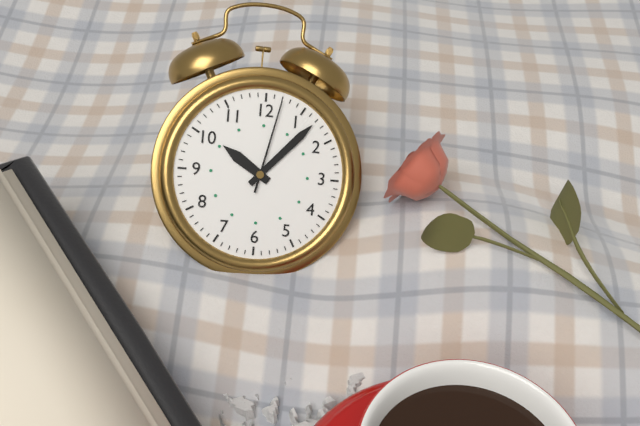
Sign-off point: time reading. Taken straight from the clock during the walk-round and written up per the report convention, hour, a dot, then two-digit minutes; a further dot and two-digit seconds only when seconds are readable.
10.07.02
